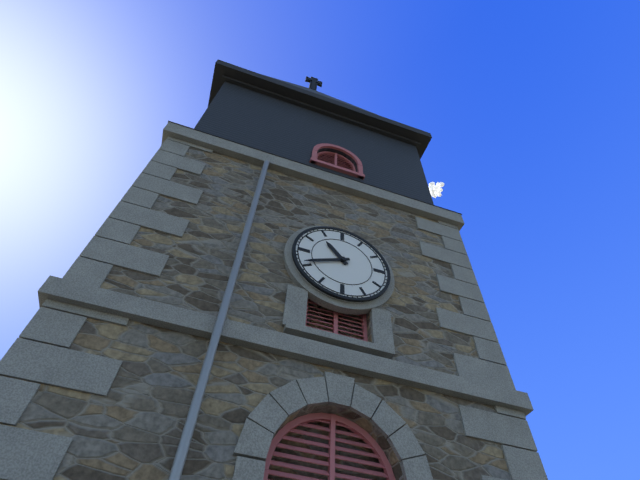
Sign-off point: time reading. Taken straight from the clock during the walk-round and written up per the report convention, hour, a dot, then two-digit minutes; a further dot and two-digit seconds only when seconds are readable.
10.41
